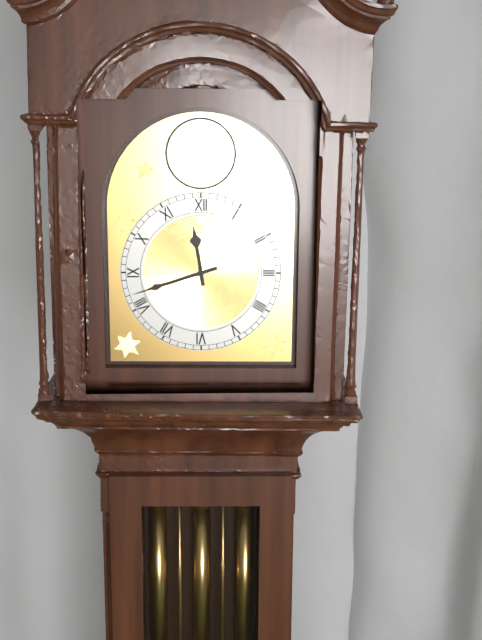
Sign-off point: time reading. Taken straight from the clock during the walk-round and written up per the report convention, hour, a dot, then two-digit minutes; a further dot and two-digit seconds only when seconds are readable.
11.42
